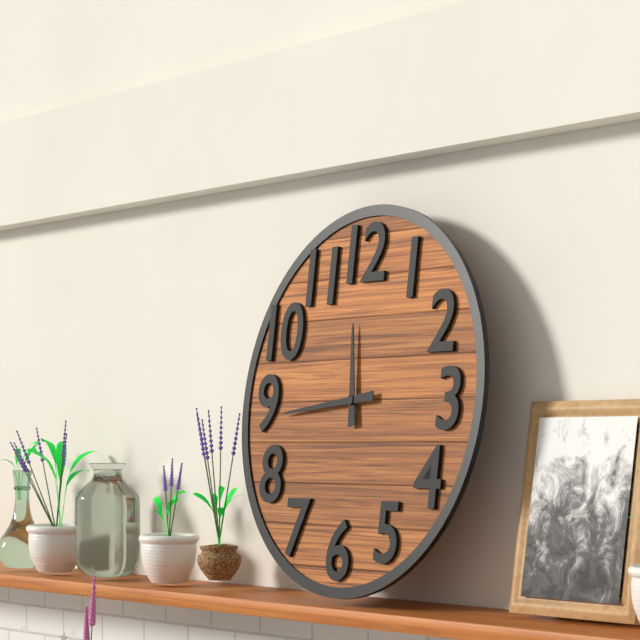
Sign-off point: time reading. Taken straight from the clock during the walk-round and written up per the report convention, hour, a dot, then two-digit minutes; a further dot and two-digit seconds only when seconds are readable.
11.44
